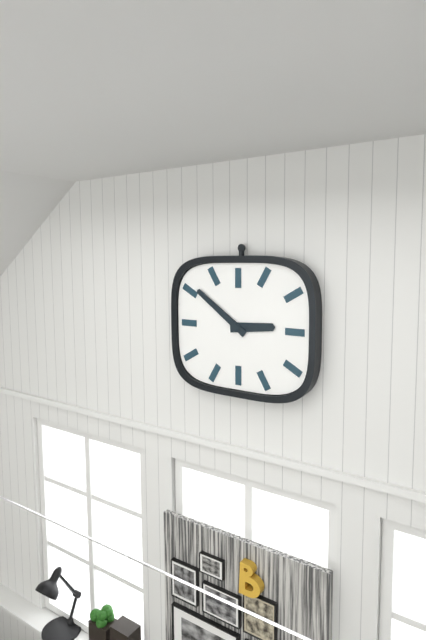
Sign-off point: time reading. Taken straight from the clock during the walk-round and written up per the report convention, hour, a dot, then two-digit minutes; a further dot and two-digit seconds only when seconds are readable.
2.51
